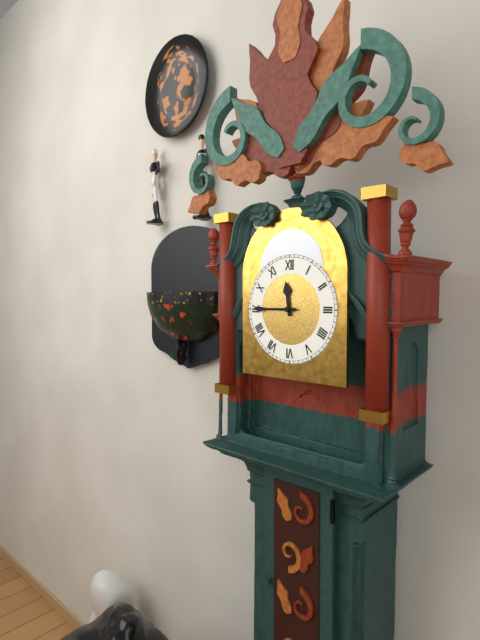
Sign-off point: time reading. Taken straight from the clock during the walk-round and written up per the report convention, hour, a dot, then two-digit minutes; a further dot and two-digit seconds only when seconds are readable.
11.45
